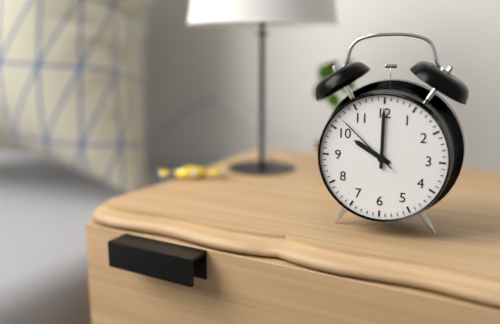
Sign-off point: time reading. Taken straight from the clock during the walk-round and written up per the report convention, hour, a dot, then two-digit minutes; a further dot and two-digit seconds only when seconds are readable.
10.00.52
